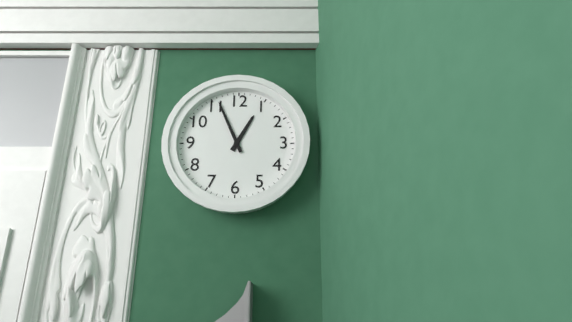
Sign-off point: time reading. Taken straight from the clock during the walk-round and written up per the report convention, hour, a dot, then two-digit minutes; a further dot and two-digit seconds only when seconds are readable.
12.56
